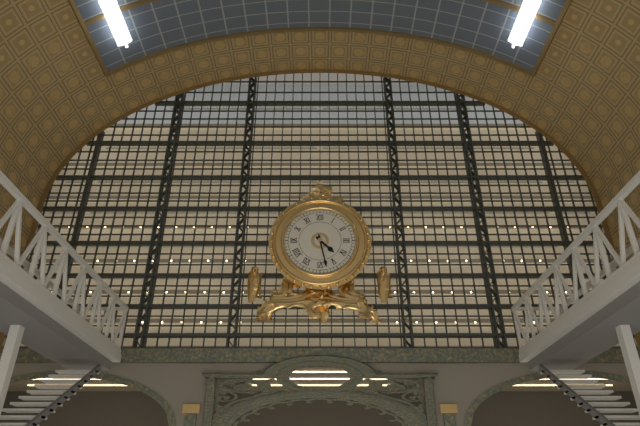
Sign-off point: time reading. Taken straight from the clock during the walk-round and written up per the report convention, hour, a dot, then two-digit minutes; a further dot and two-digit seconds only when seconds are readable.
4.28
